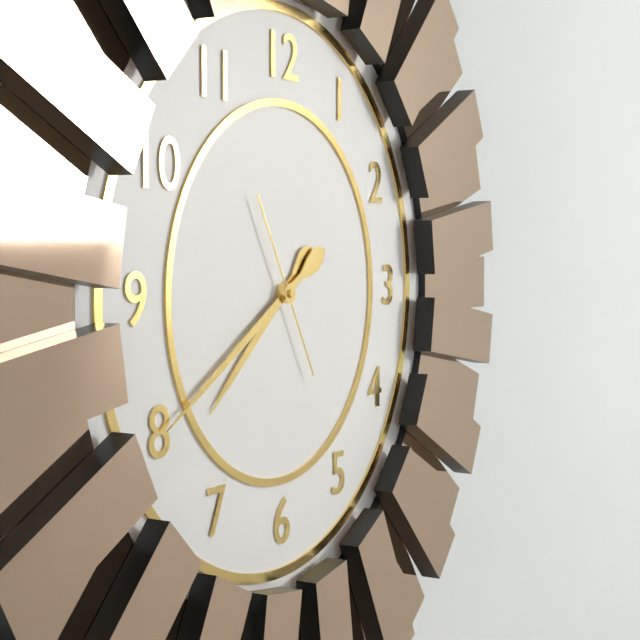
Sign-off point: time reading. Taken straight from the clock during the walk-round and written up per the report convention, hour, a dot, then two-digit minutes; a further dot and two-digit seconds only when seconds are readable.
7.40.55
